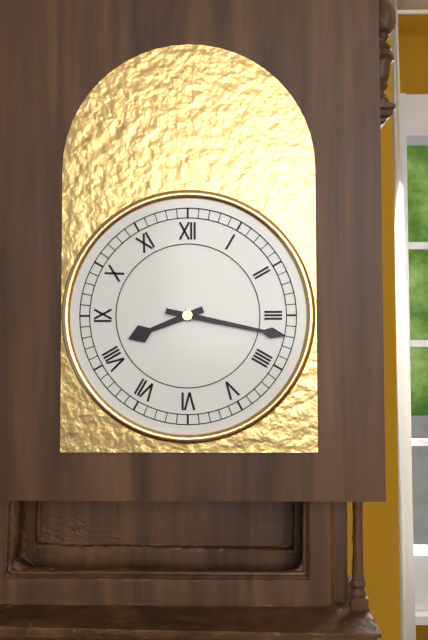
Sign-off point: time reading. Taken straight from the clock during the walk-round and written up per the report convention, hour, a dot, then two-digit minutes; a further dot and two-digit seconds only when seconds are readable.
8.17
